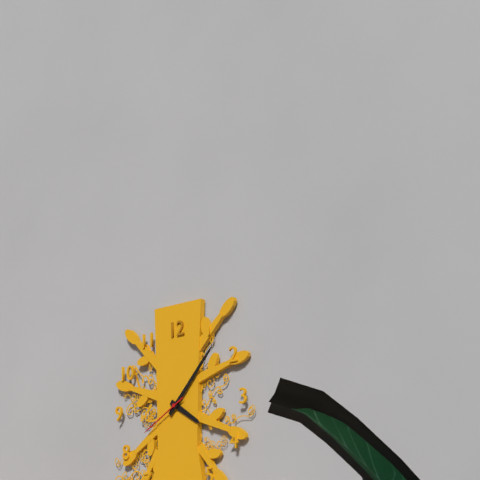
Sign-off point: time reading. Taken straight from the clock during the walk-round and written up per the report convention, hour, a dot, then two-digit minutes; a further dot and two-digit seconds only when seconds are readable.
4.07.40
